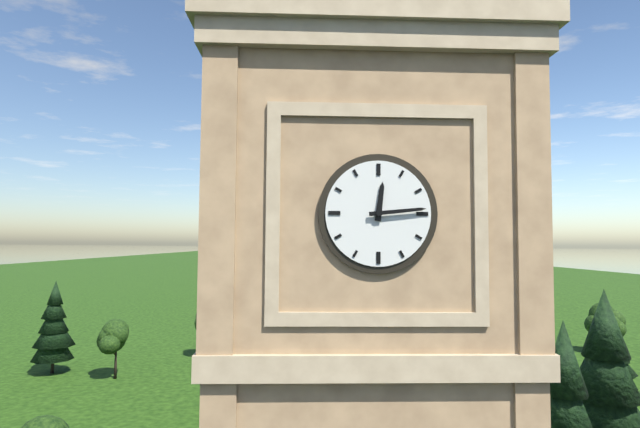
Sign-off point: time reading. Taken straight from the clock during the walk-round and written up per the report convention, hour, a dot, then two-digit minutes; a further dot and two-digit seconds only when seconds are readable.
12.14
